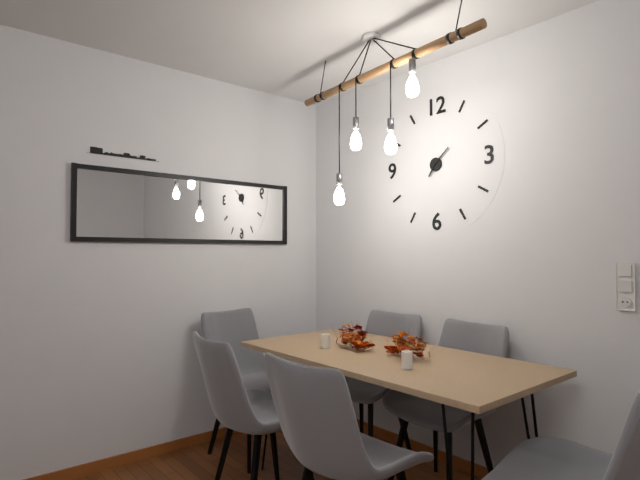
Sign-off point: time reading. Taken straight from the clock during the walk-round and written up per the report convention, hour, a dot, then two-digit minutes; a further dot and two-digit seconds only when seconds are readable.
7.08
